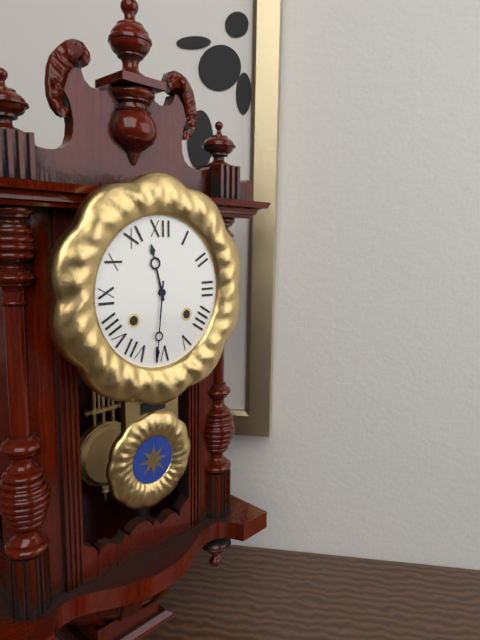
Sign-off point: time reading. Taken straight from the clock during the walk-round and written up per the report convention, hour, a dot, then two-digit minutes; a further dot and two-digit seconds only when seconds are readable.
11.31
